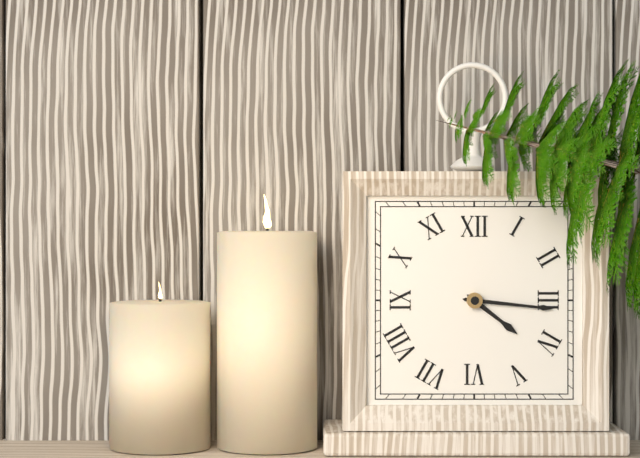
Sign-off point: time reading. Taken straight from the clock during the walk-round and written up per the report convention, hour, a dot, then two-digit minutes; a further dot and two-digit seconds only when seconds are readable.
4.16
